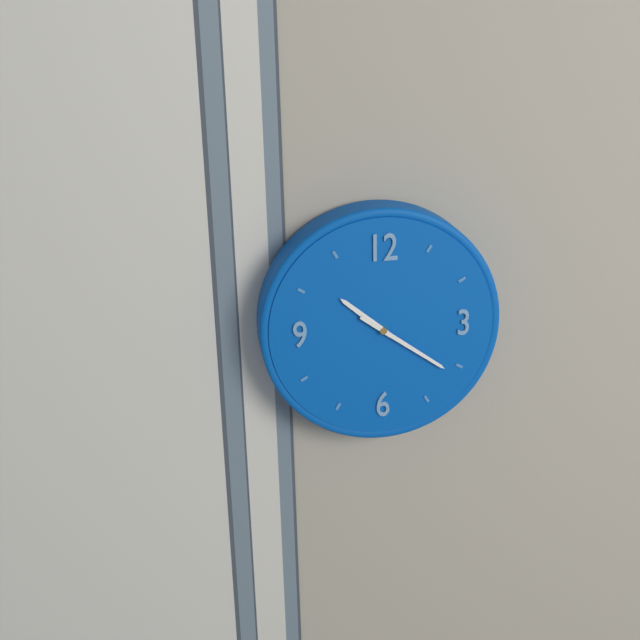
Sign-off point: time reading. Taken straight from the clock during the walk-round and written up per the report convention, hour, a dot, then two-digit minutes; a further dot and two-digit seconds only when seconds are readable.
10.21
